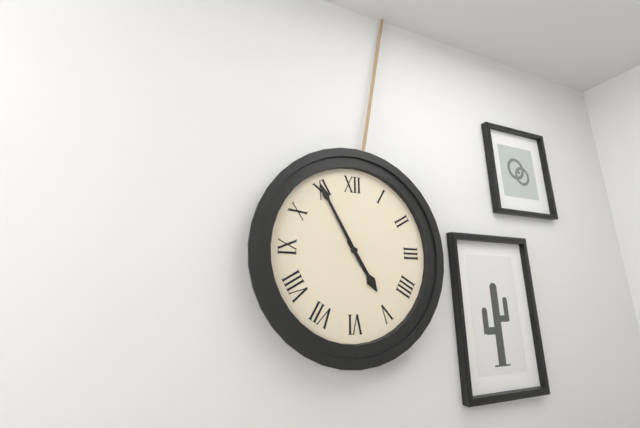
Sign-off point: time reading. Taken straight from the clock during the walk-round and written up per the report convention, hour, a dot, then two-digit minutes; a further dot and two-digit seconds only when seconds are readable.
4.55
